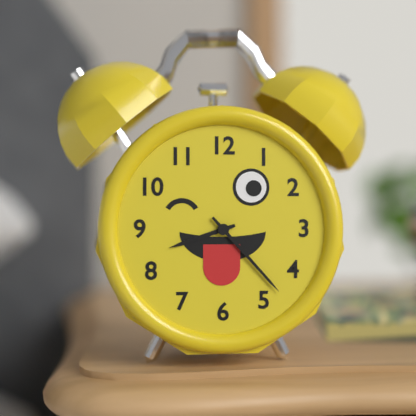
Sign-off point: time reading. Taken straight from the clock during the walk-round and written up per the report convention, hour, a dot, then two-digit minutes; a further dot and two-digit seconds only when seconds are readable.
8.23
